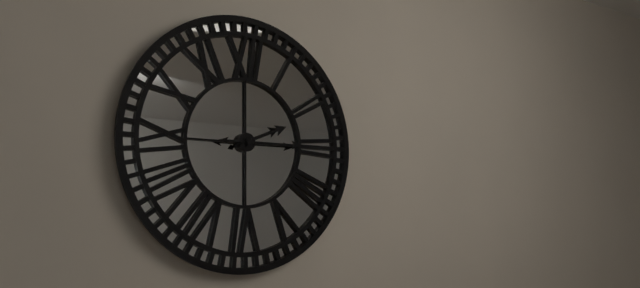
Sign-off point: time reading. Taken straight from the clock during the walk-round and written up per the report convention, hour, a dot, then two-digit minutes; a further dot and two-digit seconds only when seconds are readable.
2.15
